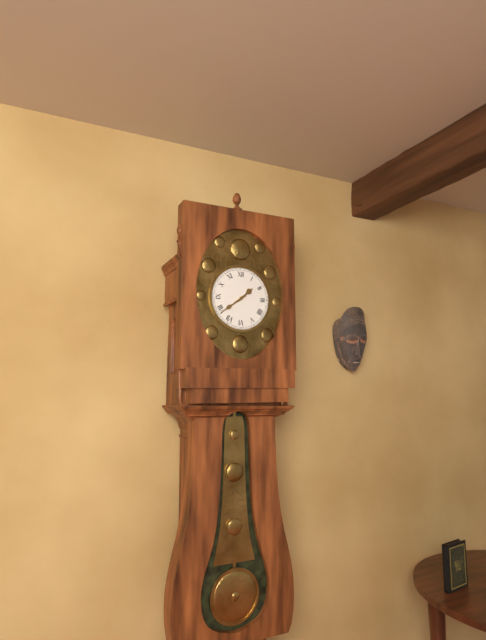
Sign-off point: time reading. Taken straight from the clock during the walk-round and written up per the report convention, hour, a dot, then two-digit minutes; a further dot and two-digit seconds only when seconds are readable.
1.39
